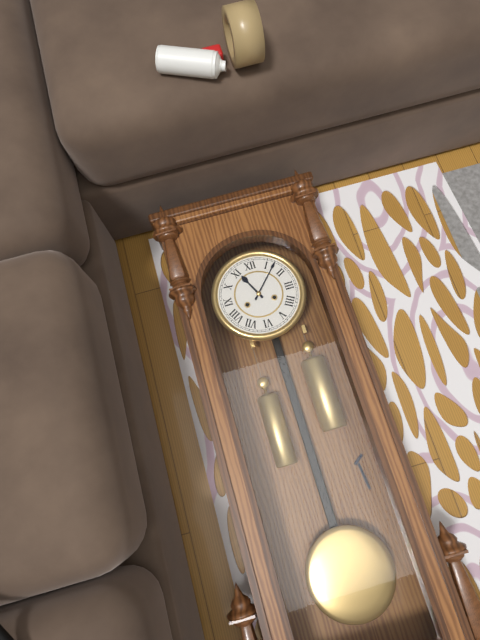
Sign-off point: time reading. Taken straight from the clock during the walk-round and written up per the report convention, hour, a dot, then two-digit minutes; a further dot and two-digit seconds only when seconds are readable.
11.07
